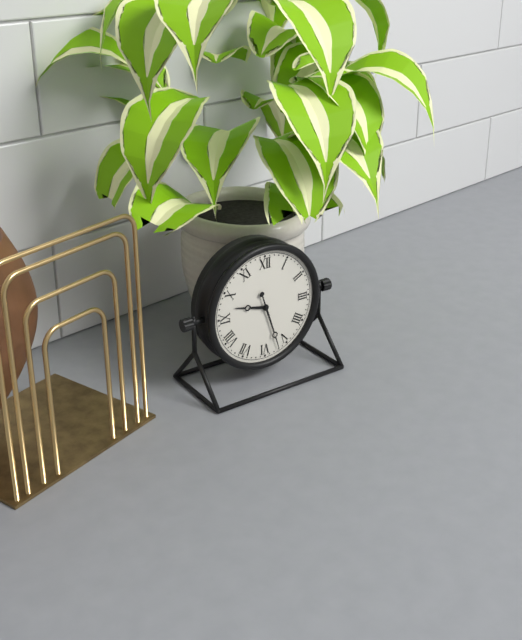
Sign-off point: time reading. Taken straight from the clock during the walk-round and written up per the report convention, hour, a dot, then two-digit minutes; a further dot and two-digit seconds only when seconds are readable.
9.27
